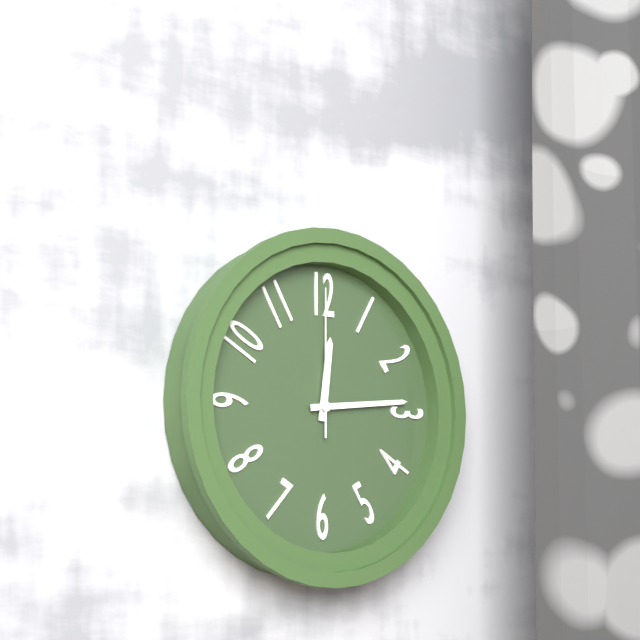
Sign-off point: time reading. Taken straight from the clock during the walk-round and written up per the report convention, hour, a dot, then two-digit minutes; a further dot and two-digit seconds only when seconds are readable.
12.14.00
